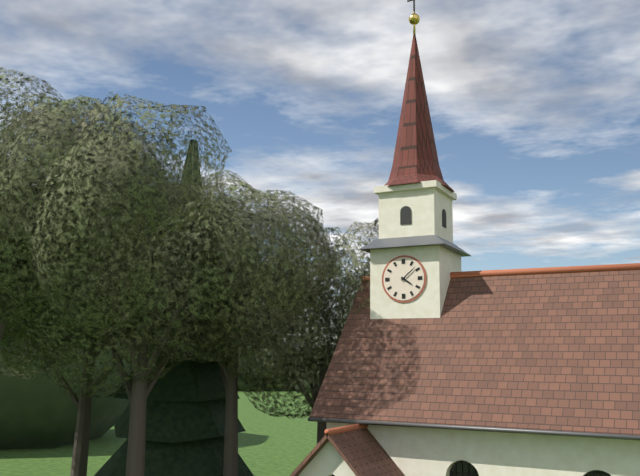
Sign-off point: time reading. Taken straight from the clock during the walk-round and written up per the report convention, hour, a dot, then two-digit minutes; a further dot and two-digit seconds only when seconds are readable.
4.08
